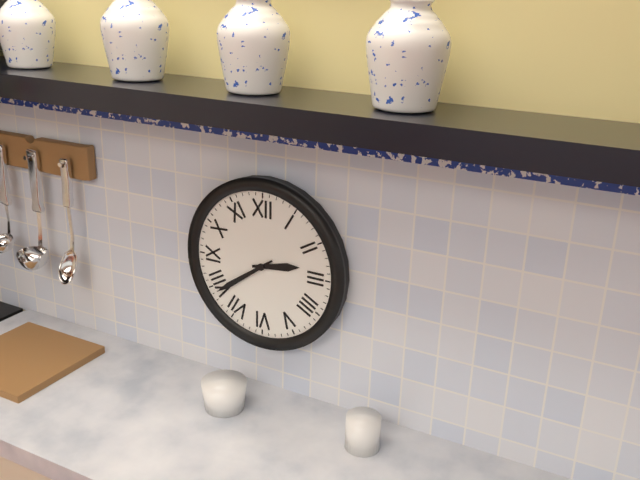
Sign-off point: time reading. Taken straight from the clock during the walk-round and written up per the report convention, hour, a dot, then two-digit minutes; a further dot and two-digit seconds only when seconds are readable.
2.39
